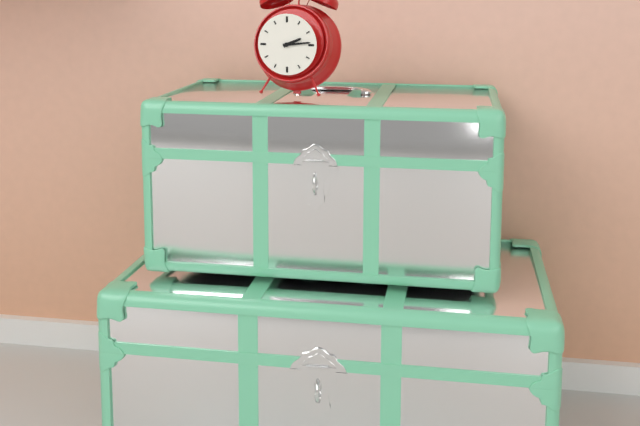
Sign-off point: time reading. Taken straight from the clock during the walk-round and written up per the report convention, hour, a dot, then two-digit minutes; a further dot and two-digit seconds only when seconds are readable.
2.14
